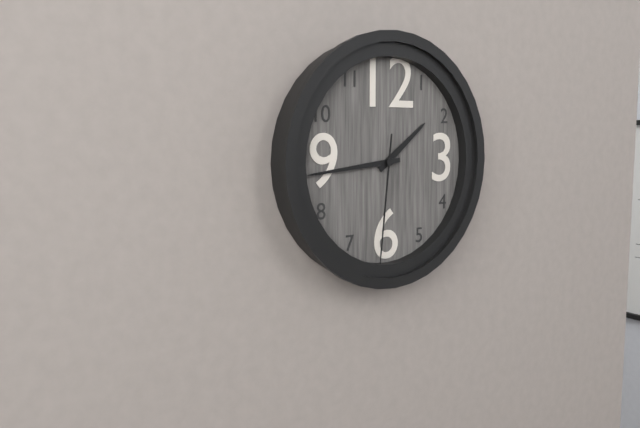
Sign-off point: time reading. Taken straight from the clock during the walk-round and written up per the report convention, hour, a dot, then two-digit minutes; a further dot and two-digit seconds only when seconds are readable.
1.44.31
